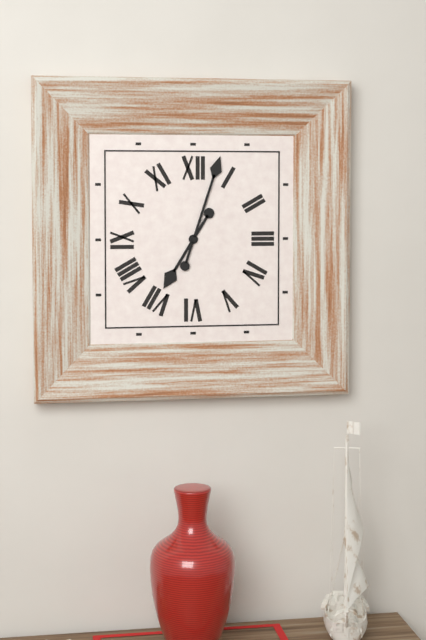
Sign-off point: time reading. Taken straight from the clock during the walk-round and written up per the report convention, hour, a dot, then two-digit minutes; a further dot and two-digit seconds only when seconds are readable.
7.03
